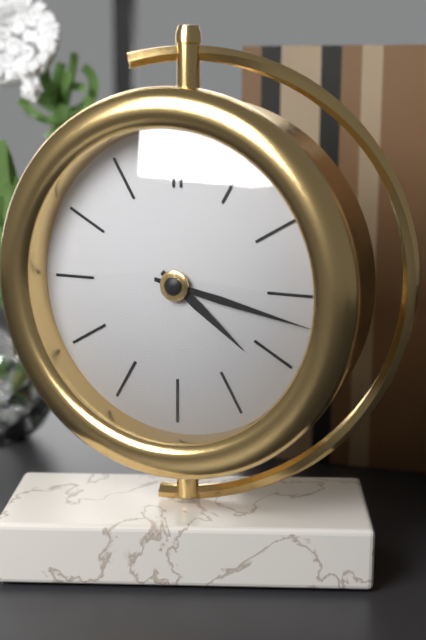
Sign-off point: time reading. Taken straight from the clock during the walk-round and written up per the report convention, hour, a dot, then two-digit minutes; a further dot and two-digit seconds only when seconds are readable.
4.17
